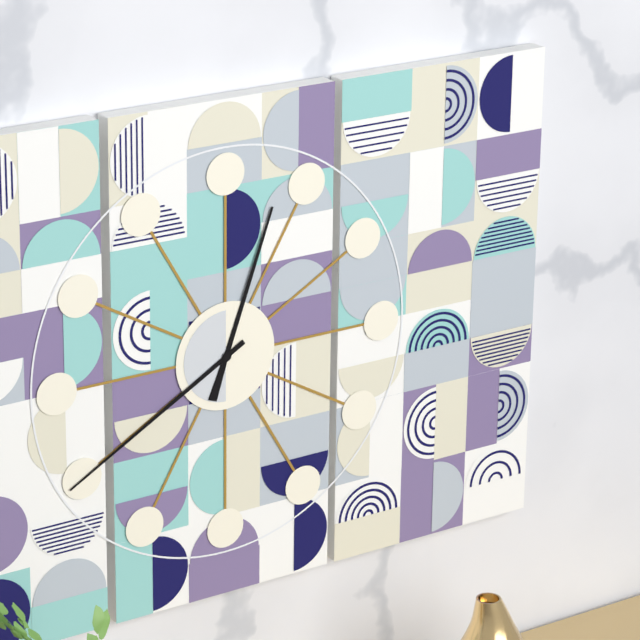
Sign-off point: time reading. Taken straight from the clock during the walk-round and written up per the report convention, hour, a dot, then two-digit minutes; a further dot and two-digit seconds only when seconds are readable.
12.40
